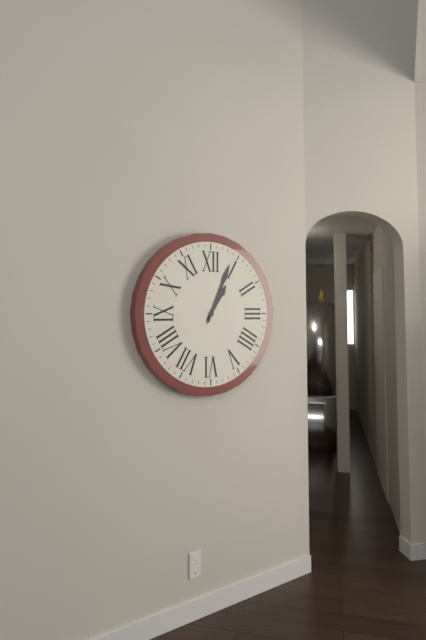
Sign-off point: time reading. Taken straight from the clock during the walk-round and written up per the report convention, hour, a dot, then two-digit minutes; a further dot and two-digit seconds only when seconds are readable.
1.04
